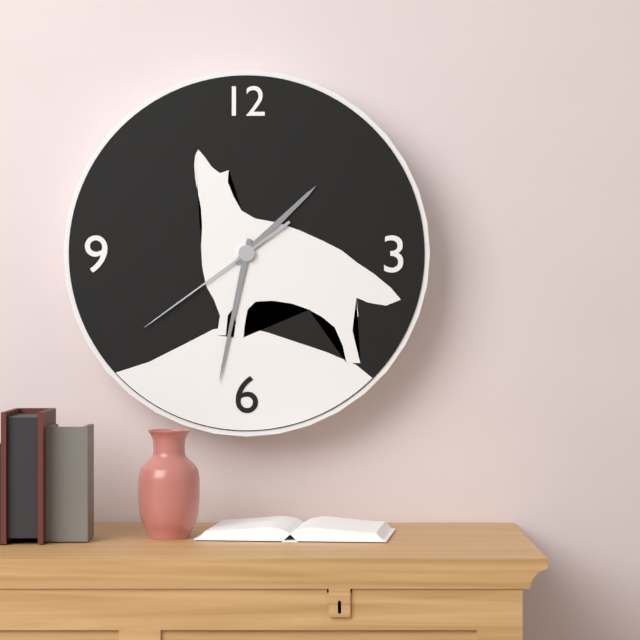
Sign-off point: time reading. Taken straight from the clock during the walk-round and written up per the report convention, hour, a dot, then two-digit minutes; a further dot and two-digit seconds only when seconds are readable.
1.32.39
